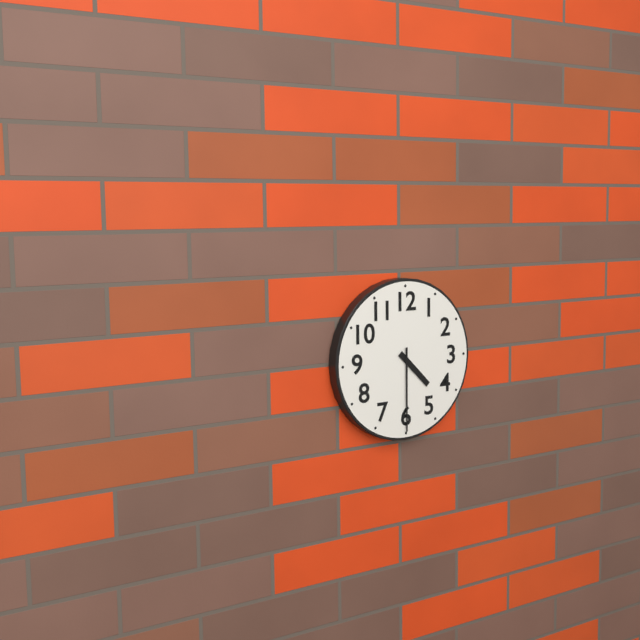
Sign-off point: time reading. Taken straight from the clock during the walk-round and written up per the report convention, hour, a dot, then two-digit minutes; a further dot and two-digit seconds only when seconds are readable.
4.30
